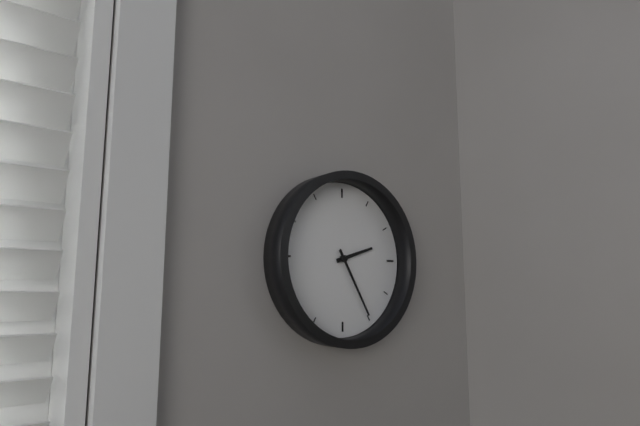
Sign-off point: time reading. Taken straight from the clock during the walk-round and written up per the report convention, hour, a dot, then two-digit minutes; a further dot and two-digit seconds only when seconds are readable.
2.25
